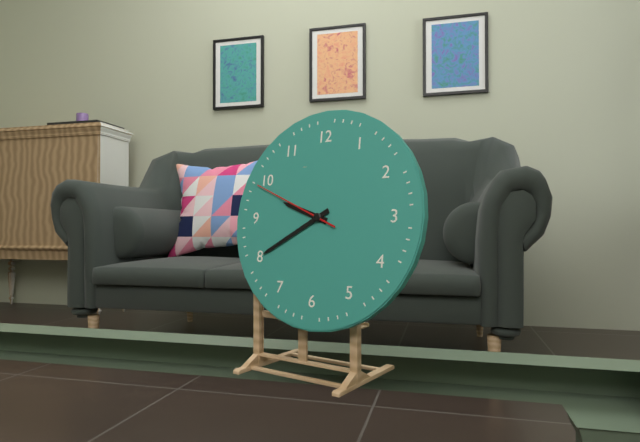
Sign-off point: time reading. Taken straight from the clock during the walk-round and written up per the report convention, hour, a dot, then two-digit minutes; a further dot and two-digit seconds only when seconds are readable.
9.40.49
